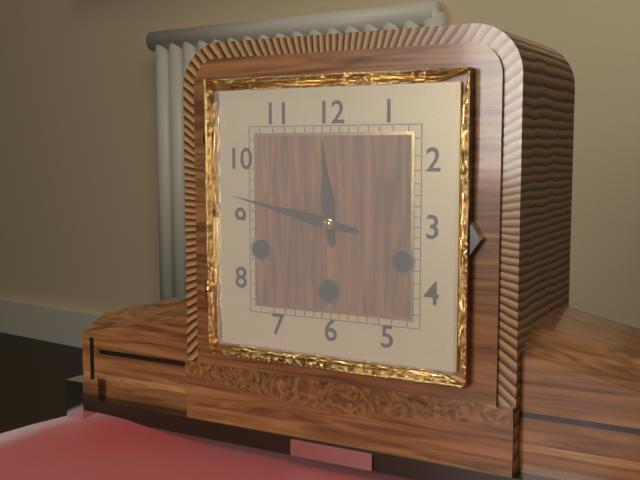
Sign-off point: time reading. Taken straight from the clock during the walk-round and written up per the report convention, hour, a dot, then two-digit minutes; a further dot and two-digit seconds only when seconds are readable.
11.47
